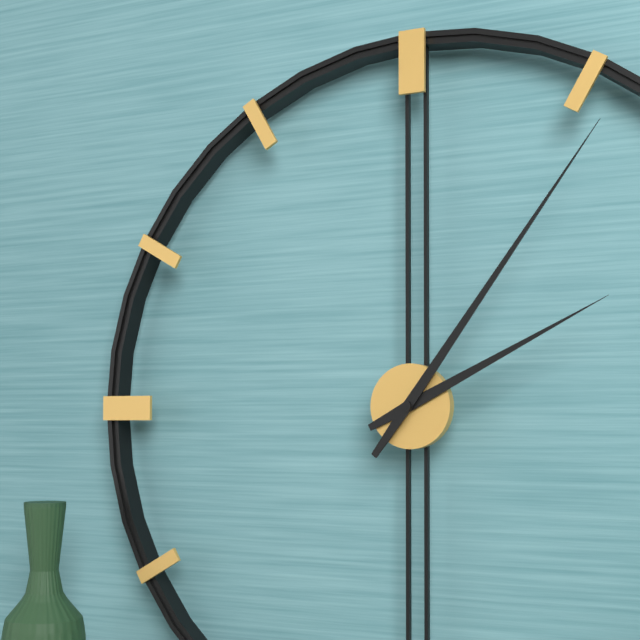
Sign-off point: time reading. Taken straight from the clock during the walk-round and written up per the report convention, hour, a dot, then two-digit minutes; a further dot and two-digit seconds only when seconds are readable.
2.06
